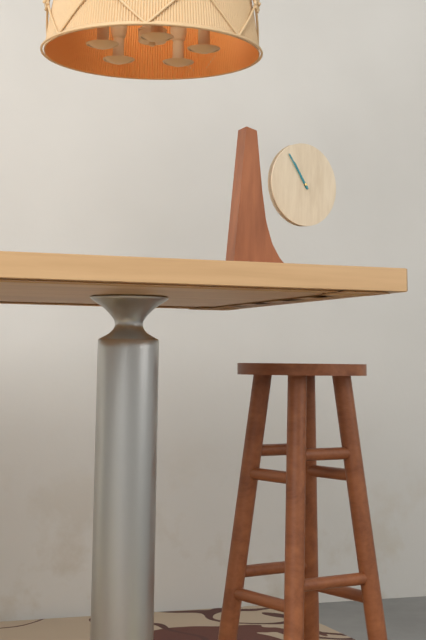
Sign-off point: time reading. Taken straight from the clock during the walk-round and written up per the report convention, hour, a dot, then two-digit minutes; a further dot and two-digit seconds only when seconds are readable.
10.54
